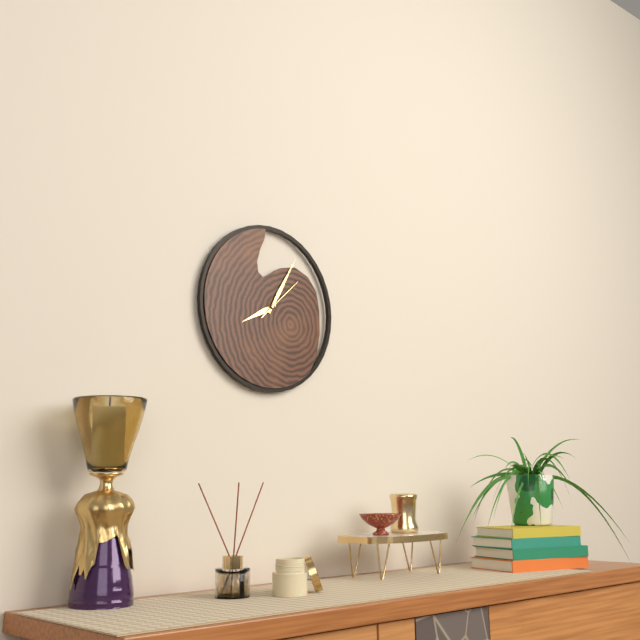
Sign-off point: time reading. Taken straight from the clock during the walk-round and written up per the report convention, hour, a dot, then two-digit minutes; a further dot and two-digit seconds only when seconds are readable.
8.05.08
